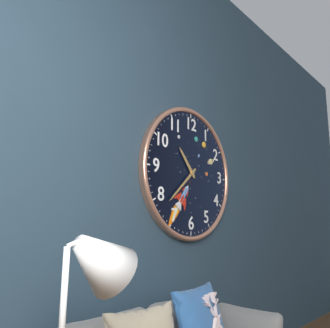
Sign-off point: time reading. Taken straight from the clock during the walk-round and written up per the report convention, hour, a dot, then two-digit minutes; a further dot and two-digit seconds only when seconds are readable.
10.38
